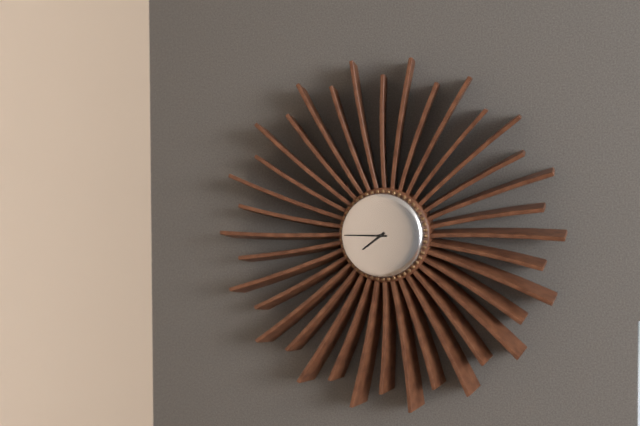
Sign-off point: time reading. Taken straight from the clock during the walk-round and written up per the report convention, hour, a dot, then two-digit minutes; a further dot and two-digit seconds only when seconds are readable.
7.45
